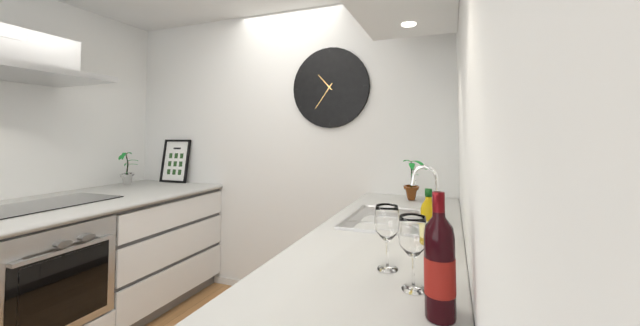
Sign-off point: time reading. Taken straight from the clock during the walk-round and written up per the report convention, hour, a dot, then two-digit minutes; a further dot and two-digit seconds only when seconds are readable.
10.36
